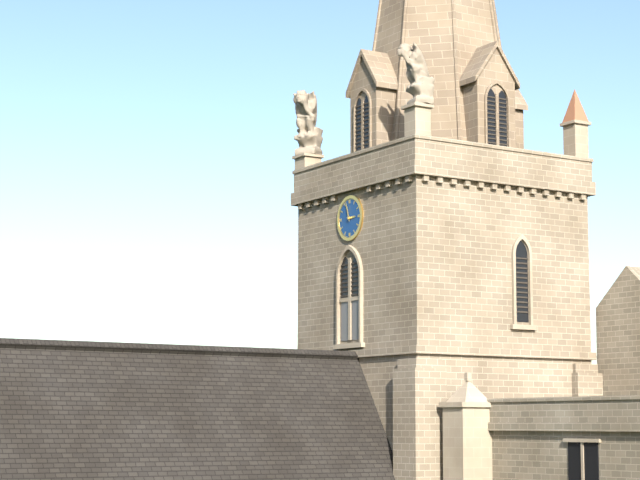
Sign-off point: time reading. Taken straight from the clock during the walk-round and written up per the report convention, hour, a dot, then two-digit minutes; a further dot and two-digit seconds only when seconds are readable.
2.57
